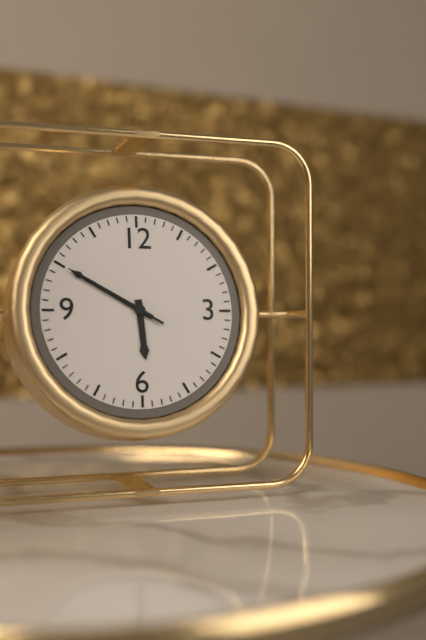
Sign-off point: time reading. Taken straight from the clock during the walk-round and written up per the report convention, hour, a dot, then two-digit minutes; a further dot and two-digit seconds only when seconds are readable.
5.50.50
